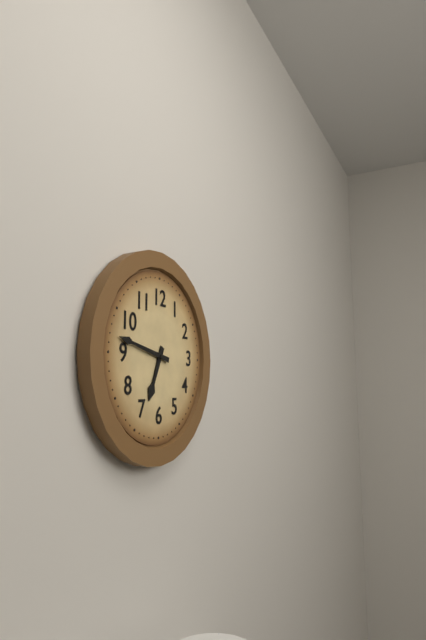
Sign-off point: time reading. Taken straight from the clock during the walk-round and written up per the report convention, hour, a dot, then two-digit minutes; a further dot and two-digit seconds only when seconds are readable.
6.47
